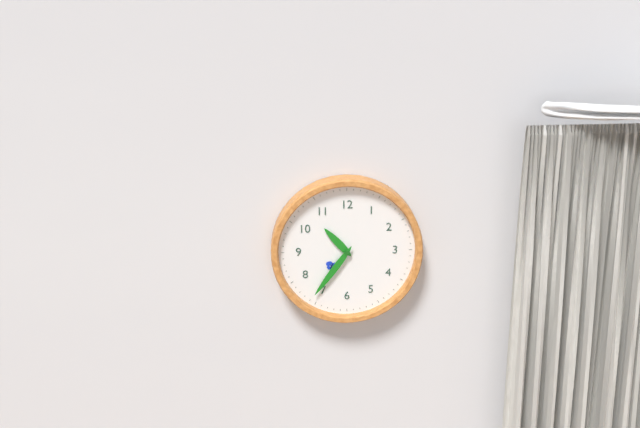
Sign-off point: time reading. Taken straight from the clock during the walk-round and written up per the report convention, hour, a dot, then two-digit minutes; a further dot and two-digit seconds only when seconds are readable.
10.36
